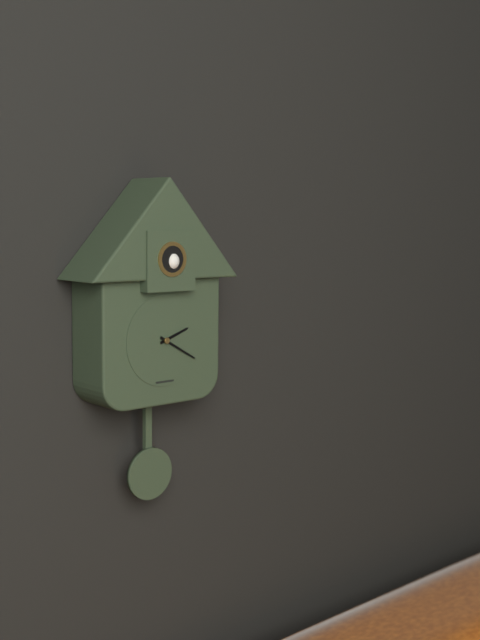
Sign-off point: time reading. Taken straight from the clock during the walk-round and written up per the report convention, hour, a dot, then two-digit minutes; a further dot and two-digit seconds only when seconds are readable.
2.20
